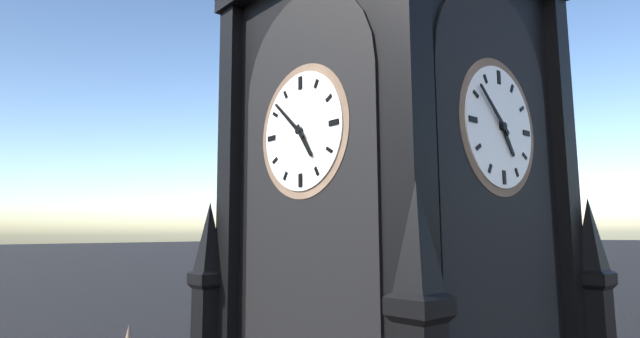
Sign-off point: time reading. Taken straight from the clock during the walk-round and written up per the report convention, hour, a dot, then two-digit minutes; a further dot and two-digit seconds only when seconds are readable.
4.52
